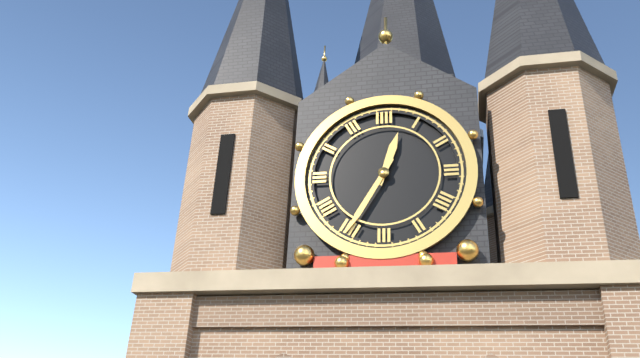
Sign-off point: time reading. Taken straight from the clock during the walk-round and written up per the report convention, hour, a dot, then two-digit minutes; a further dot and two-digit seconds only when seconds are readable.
12.35
